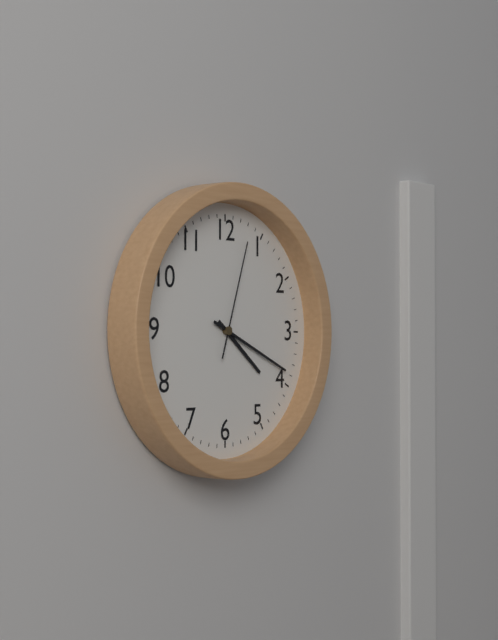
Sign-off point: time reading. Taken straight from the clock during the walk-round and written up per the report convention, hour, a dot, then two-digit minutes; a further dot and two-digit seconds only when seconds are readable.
4.19.03
